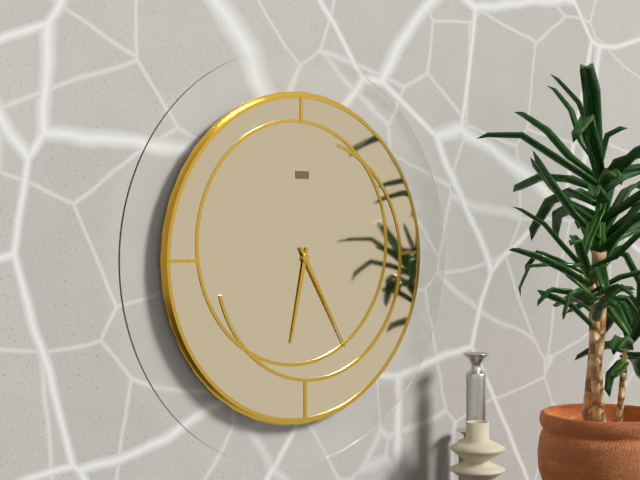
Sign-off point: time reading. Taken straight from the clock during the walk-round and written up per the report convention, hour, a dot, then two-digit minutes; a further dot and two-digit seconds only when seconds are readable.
6.25
